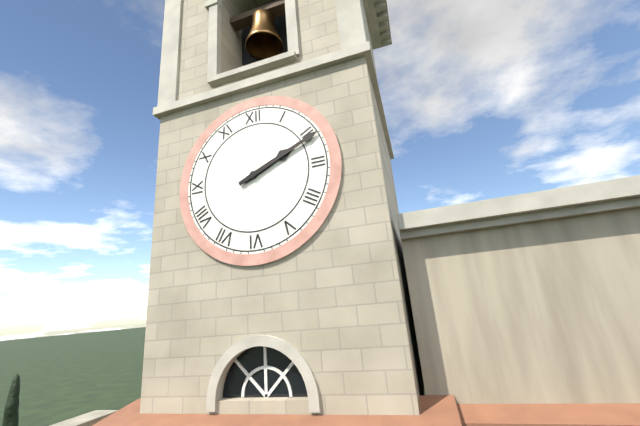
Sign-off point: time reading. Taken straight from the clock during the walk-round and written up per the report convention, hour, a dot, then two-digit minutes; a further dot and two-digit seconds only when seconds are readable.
2.11
